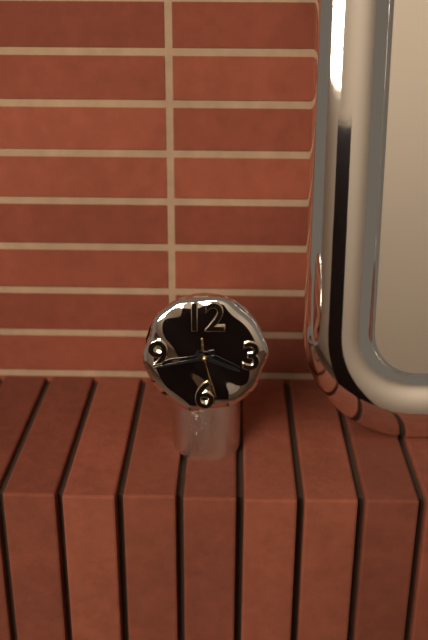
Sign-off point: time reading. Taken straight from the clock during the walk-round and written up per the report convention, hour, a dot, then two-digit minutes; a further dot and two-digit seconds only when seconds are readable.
3.43.28
